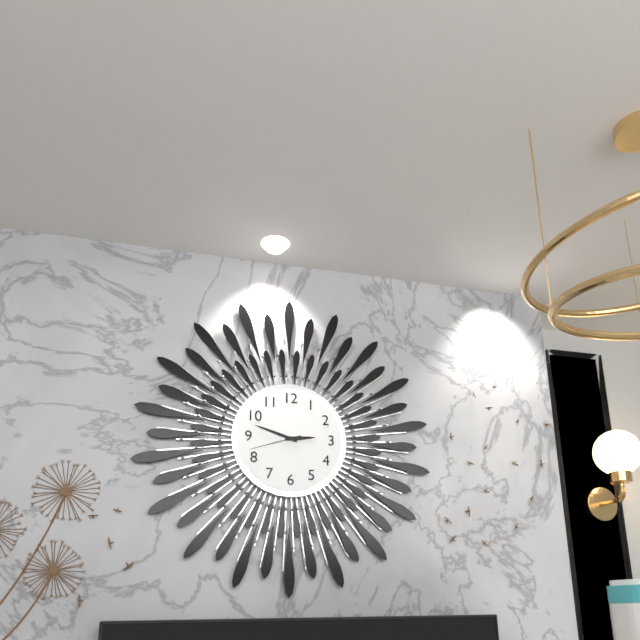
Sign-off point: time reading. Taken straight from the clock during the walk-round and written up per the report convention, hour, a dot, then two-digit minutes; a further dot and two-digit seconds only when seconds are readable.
2.48
